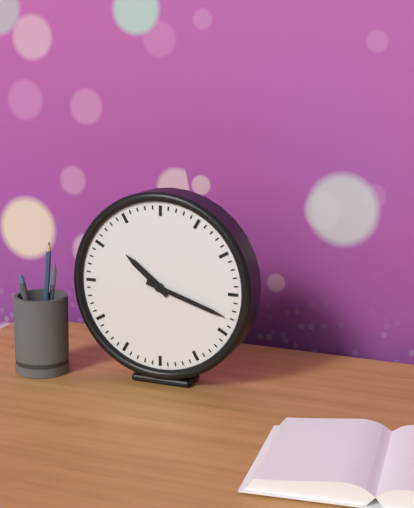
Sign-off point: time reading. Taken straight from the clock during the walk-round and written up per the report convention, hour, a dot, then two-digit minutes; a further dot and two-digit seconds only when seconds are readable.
10.18
